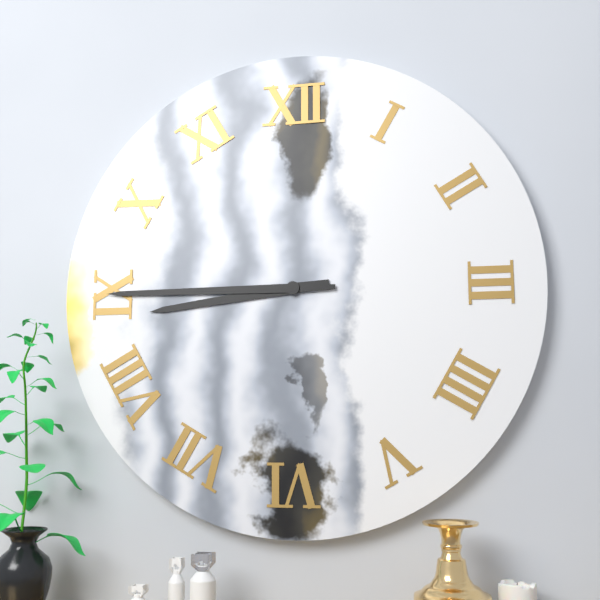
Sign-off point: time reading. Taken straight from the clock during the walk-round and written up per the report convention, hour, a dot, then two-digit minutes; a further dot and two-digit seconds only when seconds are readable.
8.45
